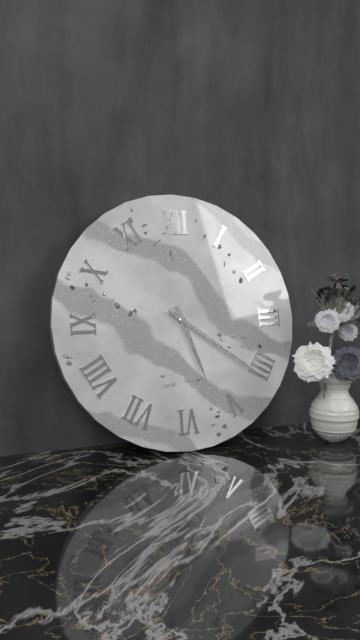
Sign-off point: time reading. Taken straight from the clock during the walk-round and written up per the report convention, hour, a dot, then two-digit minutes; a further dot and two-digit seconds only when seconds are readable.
5.21
